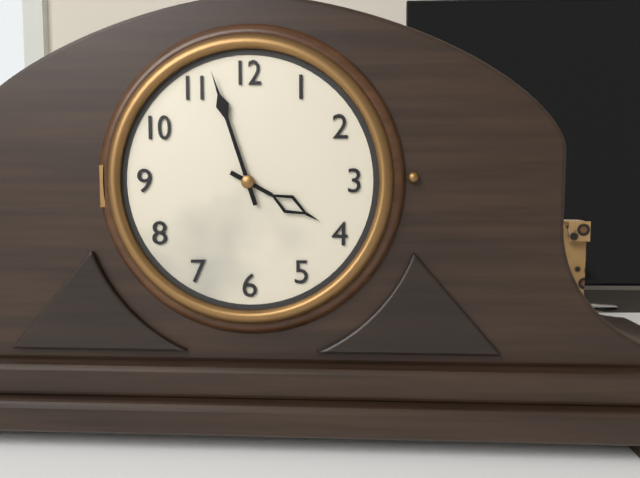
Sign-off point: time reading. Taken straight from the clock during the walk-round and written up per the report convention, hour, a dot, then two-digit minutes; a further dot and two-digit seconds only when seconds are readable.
3.57
